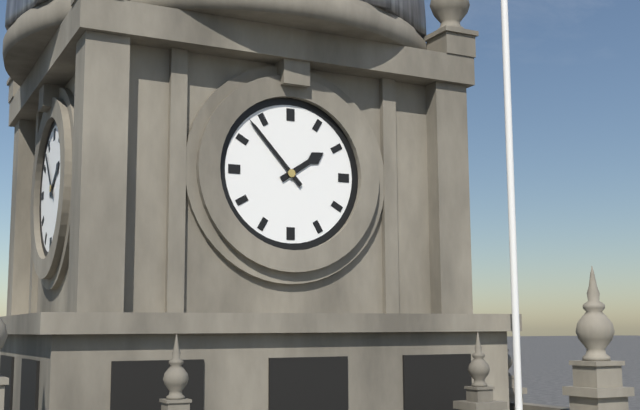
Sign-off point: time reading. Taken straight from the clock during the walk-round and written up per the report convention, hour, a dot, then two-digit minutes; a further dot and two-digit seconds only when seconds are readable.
1.53
